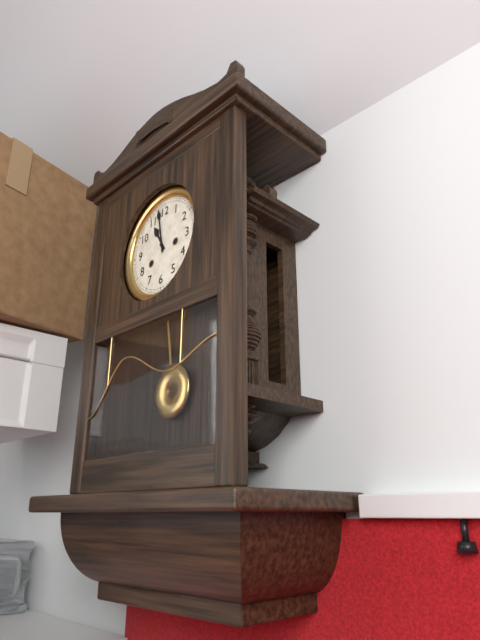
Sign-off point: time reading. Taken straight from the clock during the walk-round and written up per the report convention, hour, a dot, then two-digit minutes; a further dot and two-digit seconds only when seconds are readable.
10.58
